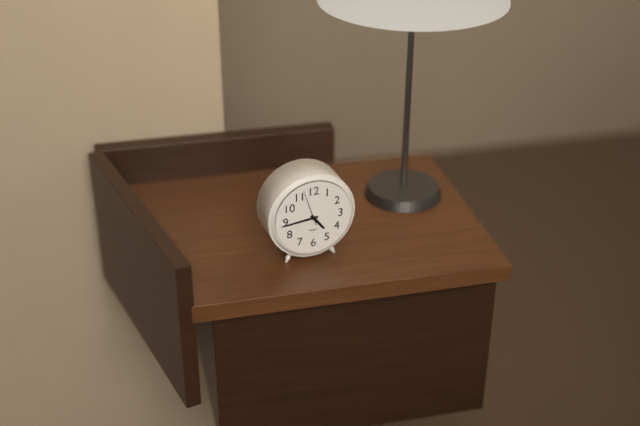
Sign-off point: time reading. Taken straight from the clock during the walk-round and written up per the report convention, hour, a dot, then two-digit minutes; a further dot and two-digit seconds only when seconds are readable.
4.44
